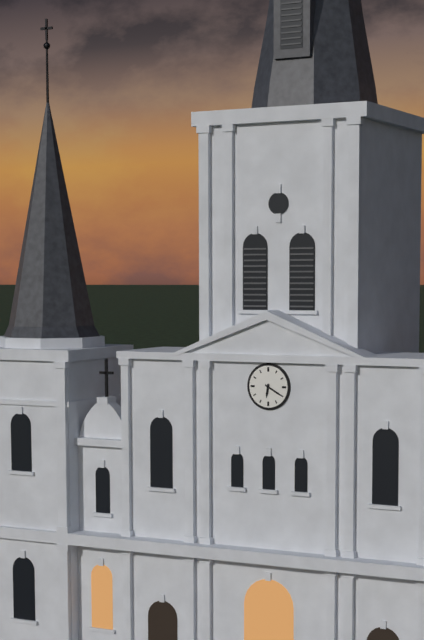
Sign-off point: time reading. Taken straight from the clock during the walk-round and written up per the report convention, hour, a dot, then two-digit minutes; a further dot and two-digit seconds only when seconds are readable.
6.20
